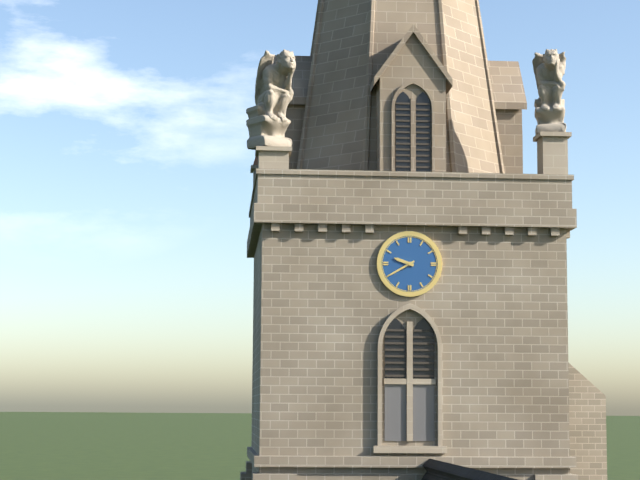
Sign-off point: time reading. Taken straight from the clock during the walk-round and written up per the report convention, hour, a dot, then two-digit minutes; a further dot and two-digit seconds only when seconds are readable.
9.40
